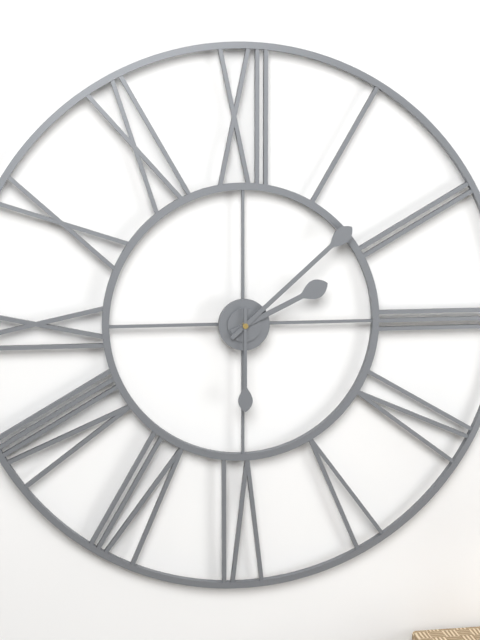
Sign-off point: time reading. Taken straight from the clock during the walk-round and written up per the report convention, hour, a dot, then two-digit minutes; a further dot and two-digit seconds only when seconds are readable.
2.08.30
